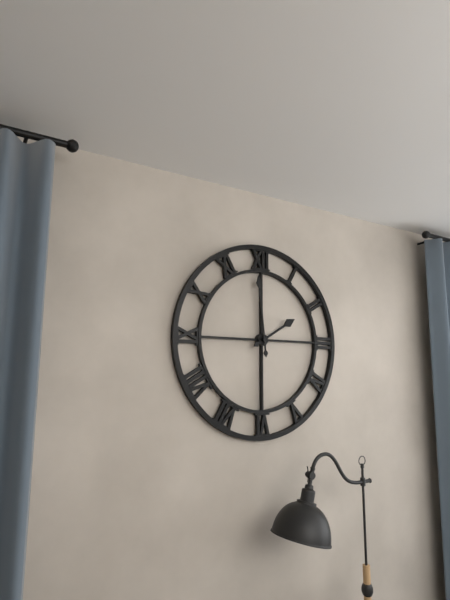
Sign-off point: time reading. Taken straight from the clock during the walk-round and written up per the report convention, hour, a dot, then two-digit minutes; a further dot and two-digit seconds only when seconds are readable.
1.59
